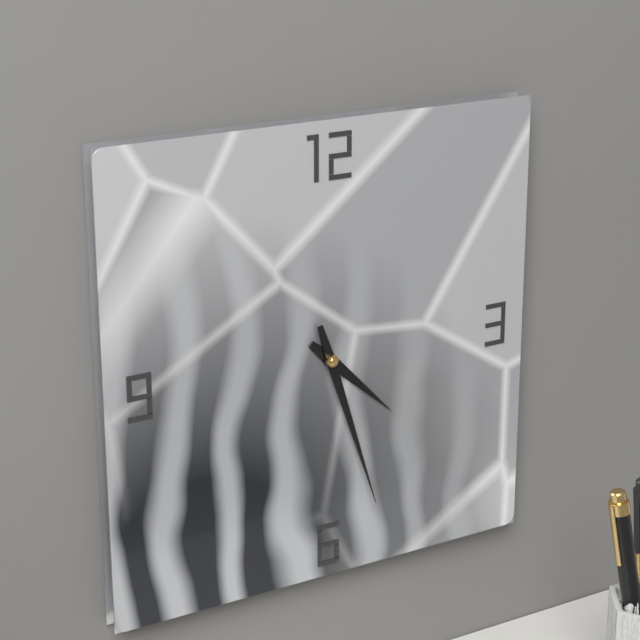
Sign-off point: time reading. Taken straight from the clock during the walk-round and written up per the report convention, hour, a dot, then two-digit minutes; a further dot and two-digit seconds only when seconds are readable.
4.27
